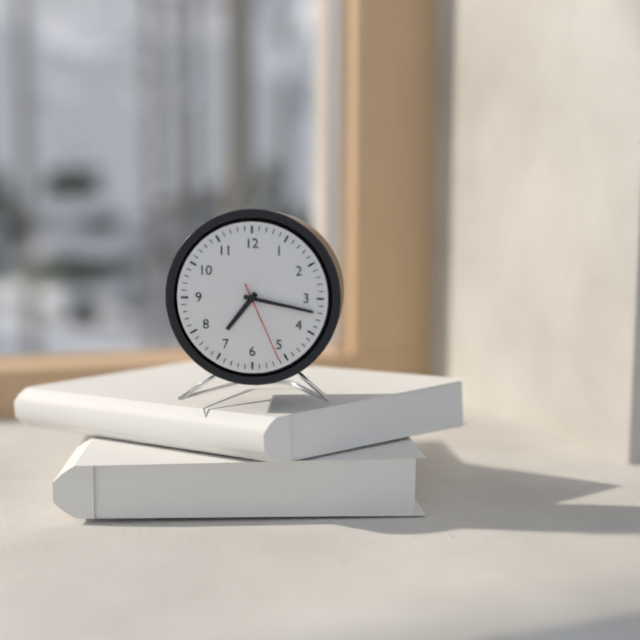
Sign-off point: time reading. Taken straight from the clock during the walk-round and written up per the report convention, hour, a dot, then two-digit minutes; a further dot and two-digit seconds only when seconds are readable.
7.17.26
